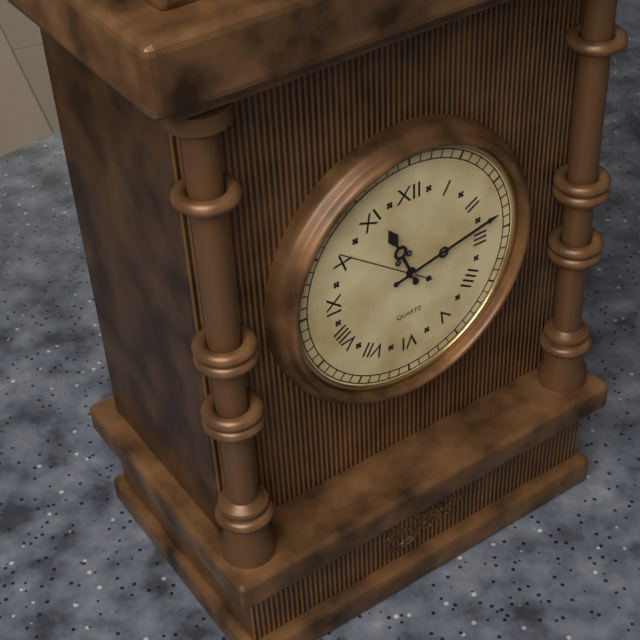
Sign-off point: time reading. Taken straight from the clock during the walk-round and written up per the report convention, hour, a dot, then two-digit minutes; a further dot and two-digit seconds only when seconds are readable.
11.13.51
